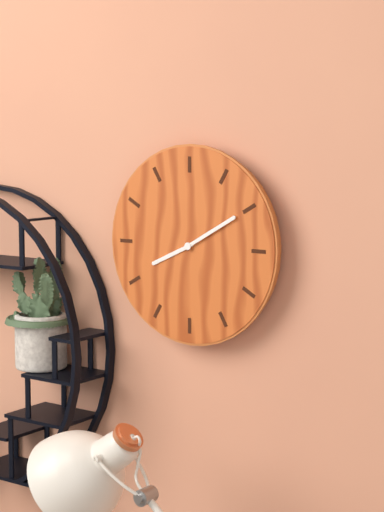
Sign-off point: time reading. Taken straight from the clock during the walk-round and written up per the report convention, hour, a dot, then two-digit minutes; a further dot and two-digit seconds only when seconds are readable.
8.10
